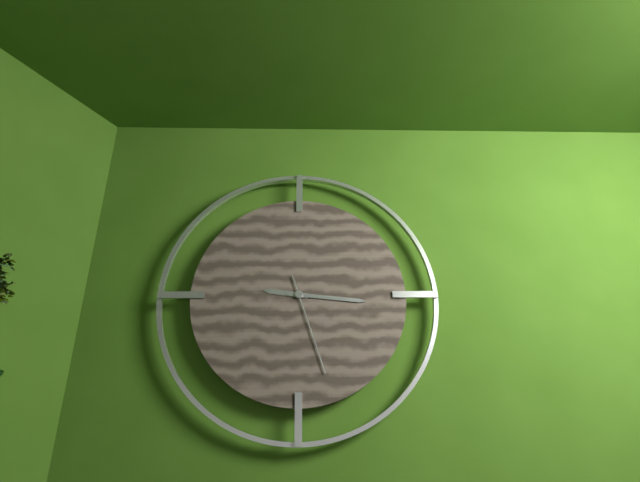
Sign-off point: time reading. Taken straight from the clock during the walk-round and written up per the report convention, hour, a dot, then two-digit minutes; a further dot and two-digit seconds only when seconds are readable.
9.16.27
